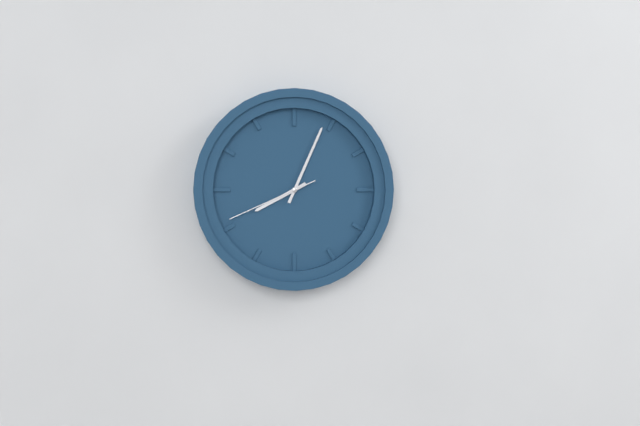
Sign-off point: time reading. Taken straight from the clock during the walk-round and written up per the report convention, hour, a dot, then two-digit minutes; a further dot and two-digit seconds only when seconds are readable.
8.04.41
